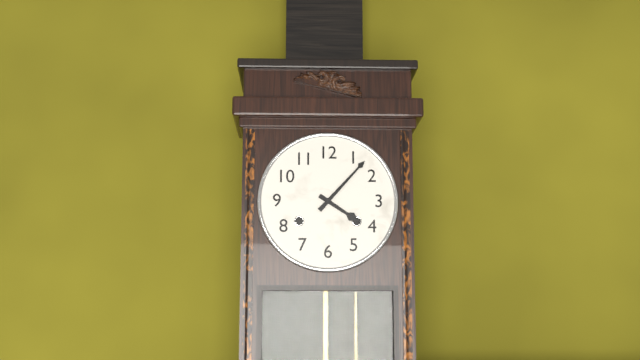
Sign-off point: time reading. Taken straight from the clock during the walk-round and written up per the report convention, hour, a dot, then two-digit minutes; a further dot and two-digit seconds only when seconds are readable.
4.07
